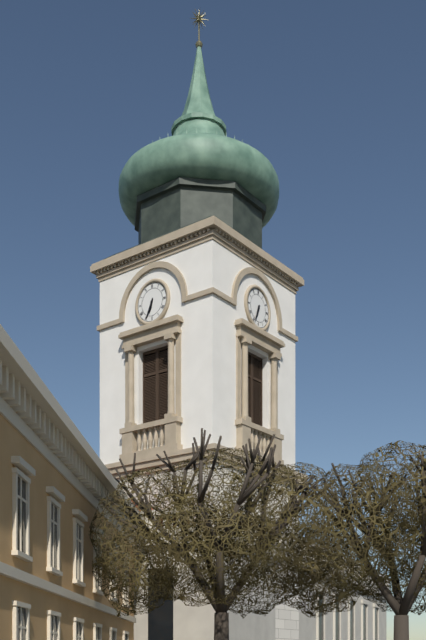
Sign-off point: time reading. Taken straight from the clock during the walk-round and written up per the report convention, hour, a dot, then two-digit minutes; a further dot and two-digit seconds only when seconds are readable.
6.34
